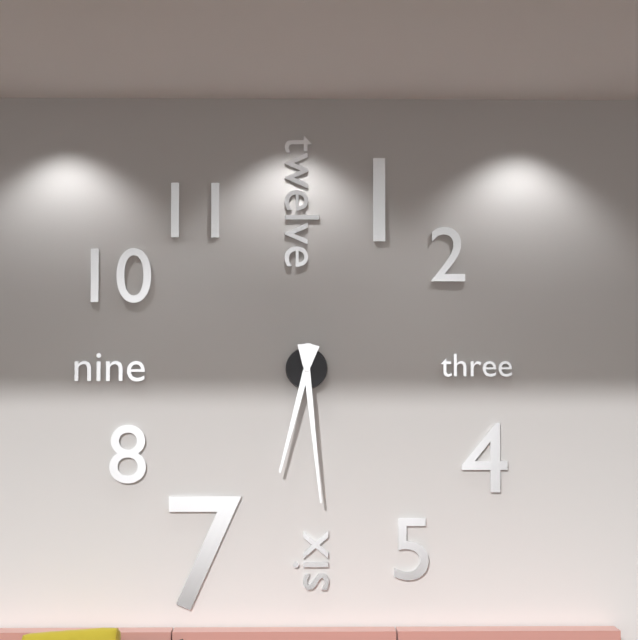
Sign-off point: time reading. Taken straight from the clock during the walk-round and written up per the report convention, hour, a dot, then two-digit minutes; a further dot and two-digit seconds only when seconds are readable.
6.29
